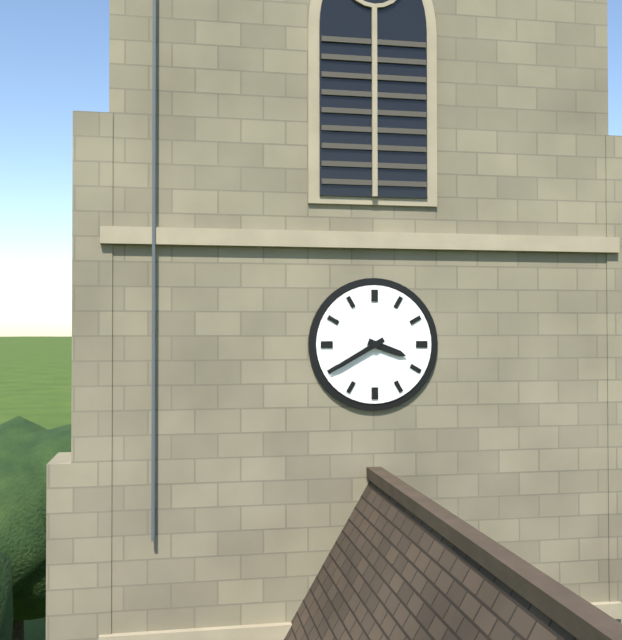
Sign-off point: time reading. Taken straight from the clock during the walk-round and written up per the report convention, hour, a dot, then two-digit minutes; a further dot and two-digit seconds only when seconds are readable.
3.40
